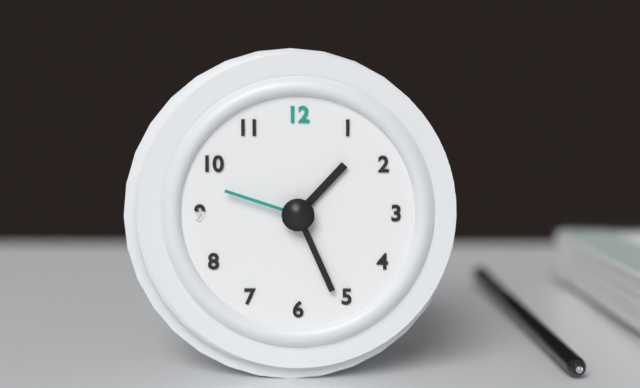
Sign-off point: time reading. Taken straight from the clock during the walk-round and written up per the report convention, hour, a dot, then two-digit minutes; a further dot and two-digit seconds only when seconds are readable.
1.26.48
